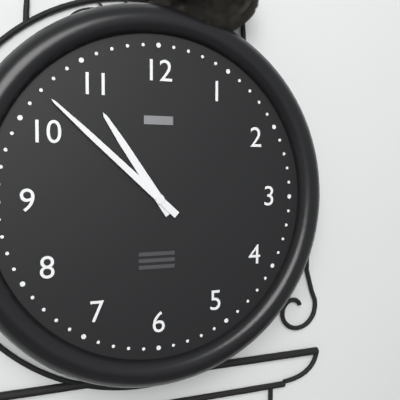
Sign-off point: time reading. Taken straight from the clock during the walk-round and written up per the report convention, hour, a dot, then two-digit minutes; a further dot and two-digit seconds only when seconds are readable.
10.52
